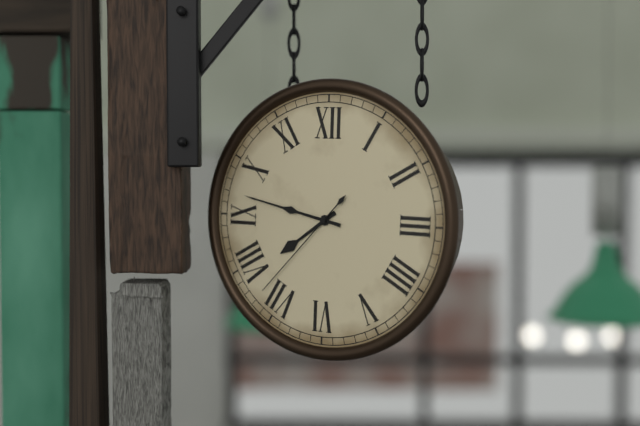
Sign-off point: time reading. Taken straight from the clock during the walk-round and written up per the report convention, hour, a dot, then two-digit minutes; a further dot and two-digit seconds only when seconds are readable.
7.47.37
